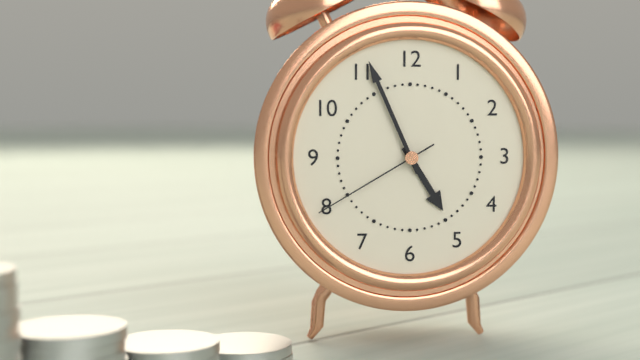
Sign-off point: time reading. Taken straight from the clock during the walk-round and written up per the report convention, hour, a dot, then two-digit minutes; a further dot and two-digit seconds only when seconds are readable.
4.56.40
